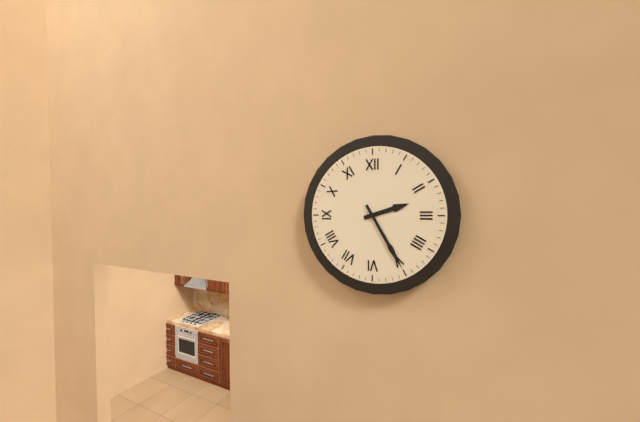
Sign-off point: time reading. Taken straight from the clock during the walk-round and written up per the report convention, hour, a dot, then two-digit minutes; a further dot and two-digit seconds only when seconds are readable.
2.25
